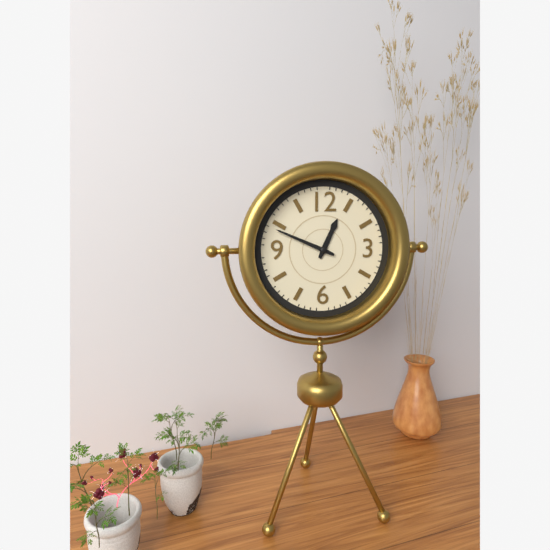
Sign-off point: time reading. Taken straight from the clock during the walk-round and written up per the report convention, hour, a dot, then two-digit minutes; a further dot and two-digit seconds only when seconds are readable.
12.49
